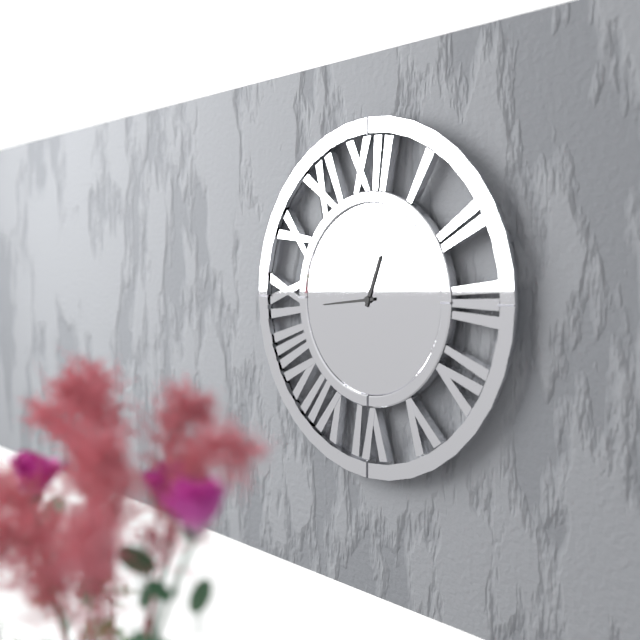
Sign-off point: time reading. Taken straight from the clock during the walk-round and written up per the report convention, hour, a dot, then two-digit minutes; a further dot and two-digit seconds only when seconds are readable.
12.44
